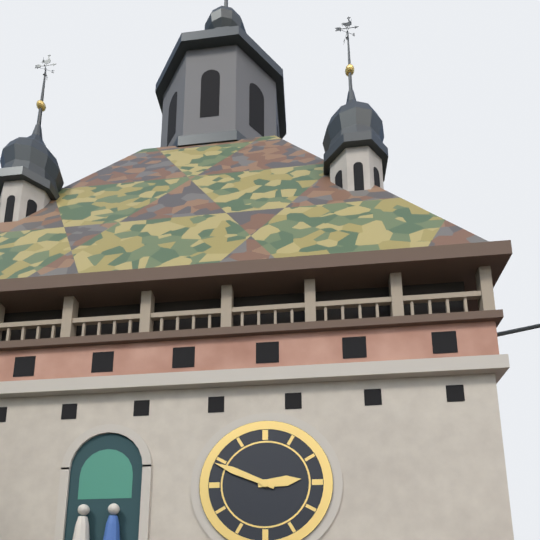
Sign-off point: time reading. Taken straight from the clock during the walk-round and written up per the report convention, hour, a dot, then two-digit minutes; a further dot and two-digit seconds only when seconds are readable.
2.49
